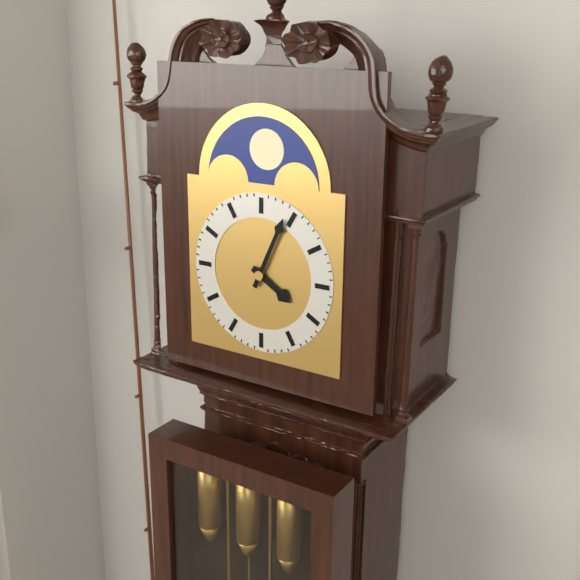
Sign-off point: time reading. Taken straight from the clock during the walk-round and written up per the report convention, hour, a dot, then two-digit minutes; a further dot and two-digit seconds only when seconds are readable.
4.04
